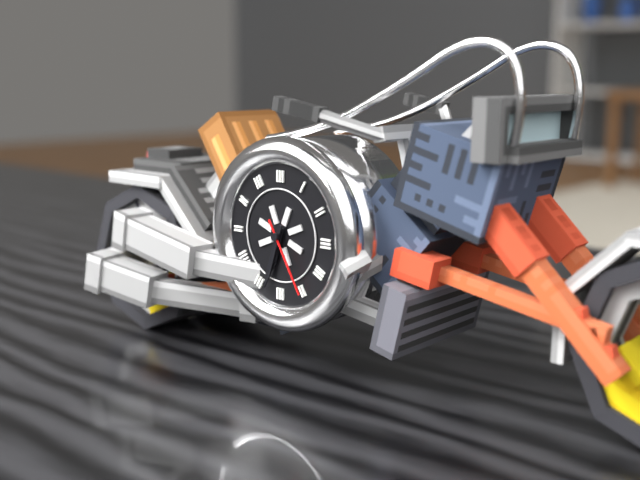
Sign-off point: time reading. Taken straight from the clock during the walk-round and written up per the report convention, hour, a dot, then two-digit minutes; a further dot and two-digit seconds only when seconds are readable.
6.33.25
